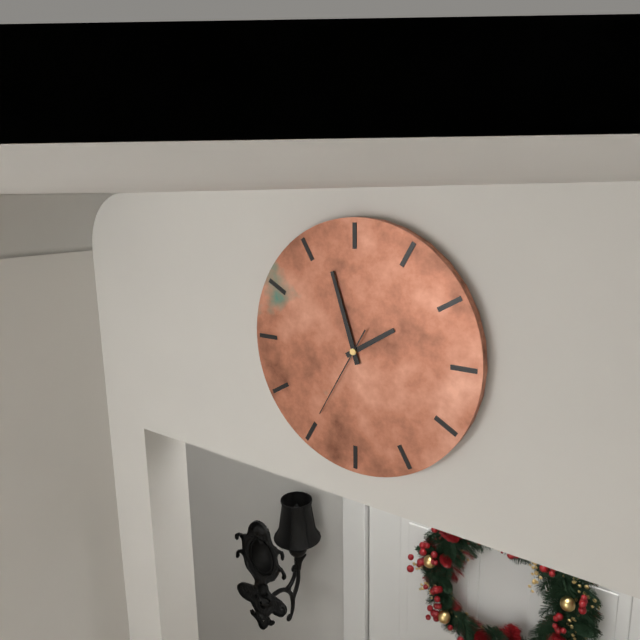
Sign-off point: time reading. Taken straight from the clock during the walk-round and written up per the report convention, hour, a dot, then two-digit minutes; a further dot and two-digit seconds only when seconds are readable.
1.57.35
